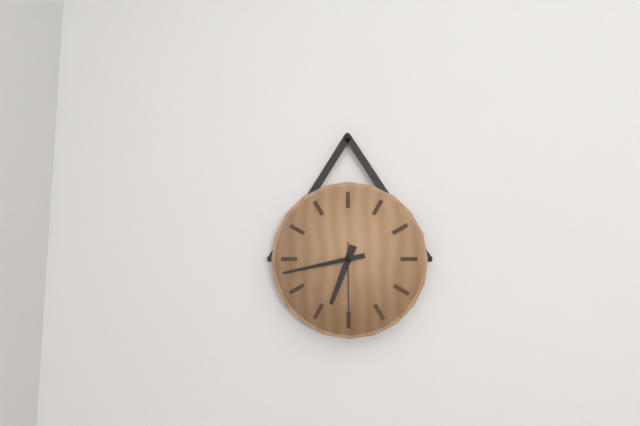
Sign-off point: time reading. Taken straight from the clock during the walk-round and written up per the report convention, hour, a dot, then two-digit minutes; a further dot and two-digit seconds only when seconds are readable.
6.43.30
